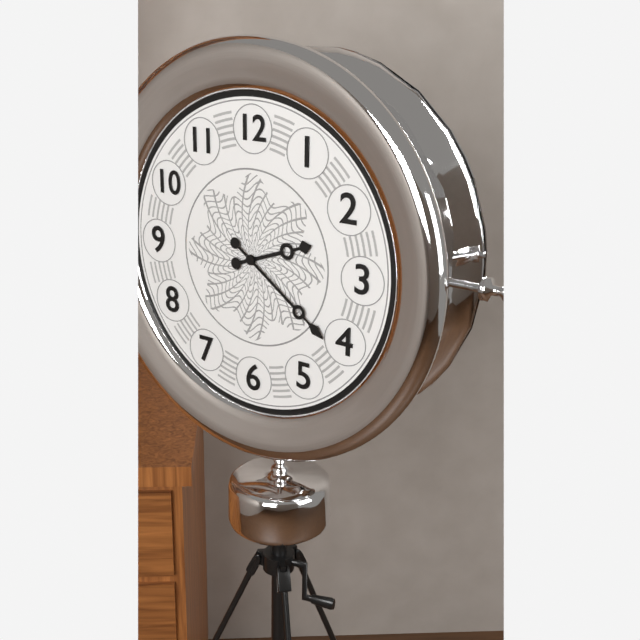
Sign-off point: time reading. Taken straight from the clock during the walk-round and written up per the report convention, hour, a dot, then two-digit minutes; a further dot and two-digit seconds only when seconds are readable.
2.21
